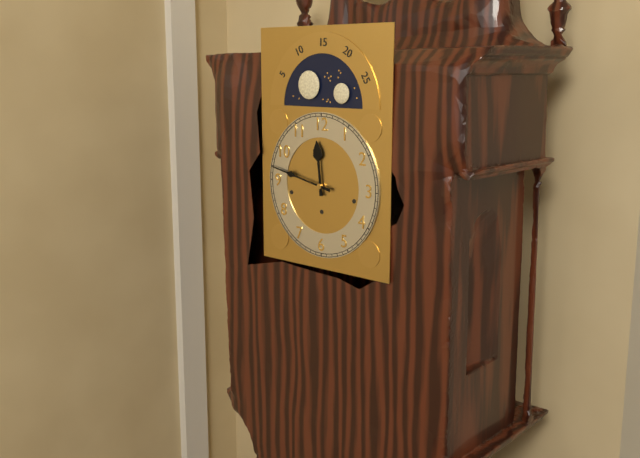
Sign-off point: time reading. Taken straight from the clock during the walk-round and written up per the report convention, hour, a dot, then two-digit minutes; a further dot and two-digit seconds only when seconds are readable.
11.47
